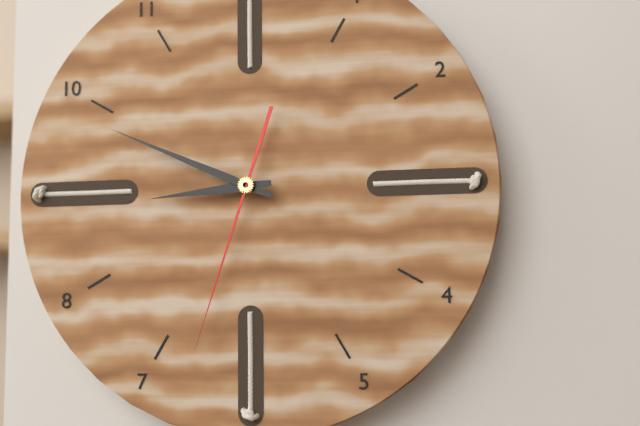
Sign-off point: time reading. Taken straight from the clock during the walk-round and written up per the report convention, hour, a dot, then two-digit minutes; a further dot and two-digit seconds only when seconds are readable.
8.49.33
